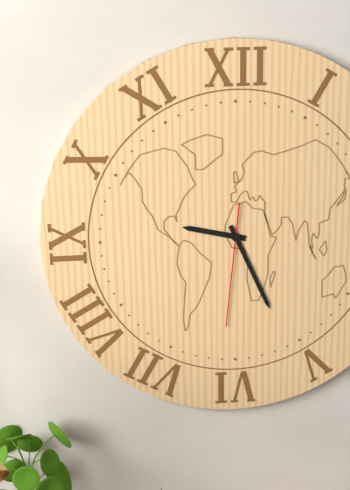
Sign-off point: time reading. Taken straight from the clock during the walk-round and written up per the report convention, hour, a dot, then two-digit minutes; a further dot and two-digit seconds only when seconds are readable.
9.26.31
